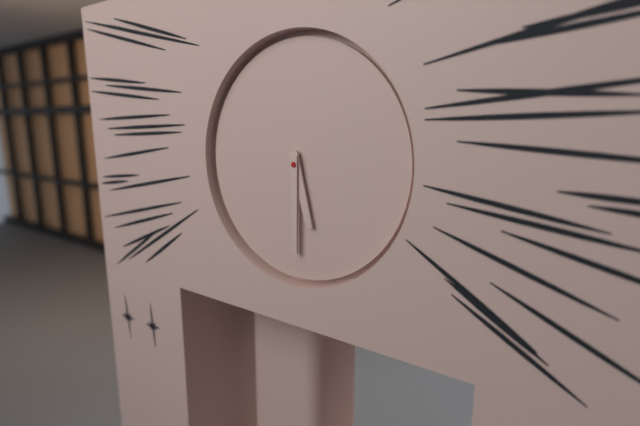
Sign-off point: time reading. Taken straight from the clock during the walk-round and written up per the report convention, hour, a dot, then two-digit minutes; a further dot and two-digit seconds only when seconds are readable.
5.30
